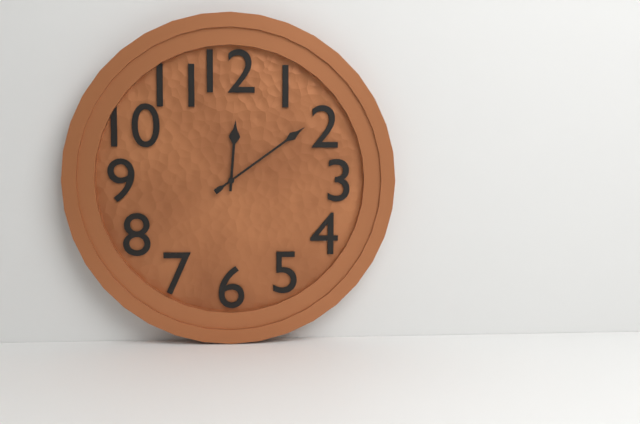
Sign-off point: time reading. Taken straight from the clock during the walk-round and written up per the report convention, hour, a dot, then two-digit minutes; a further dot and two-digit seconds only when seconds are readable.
12.09
